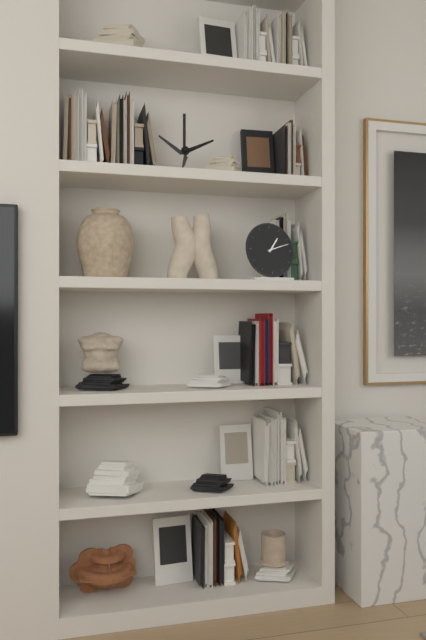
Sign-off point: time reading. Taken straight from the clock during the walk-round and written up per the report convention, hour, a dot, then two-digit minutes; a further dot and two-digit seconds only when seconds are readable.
1.12
